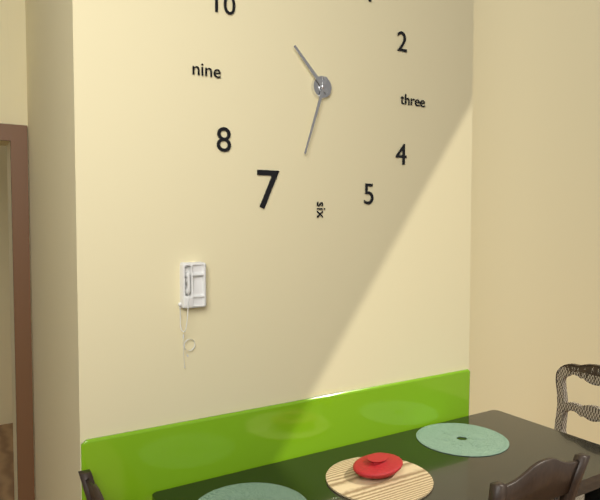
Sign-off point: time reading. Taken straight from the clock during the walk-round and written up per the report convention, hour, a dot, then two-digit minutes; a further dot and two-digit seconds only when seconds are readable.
10.33
